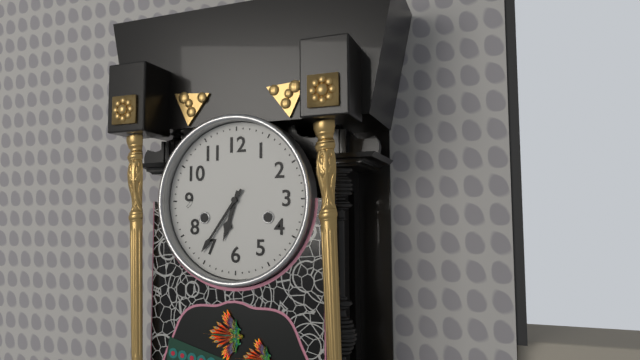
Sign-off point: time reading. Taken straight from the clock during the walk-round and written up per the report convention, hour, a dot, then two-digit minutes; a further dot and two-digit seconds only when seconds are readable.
6.36
